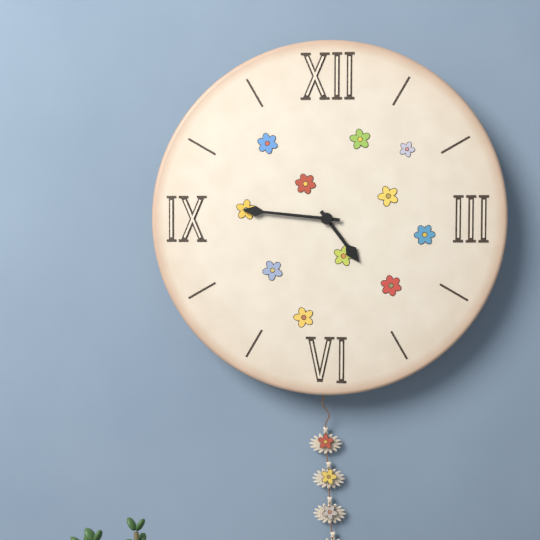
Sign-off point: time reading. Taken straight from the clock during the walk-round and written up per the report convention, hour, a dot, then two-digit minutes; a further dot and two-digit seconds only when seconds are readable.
4.46
